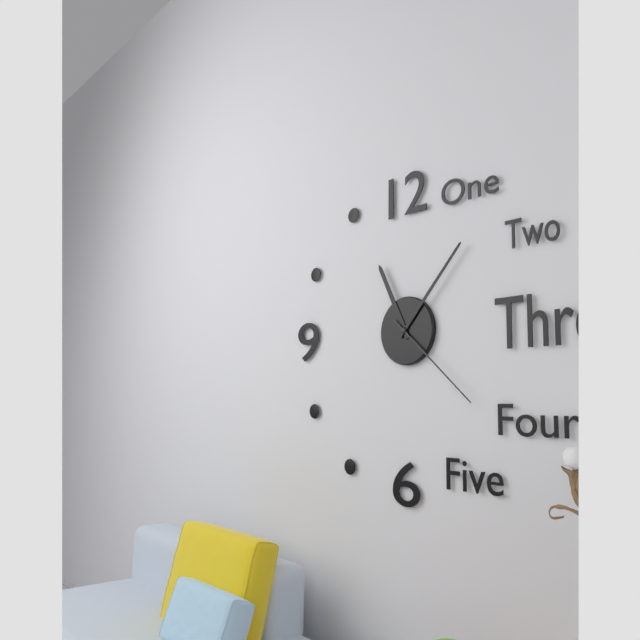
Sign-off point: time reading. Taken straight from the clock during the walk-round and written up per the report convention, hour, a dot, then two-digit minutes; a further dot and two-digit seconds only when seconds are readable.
11.07.22
